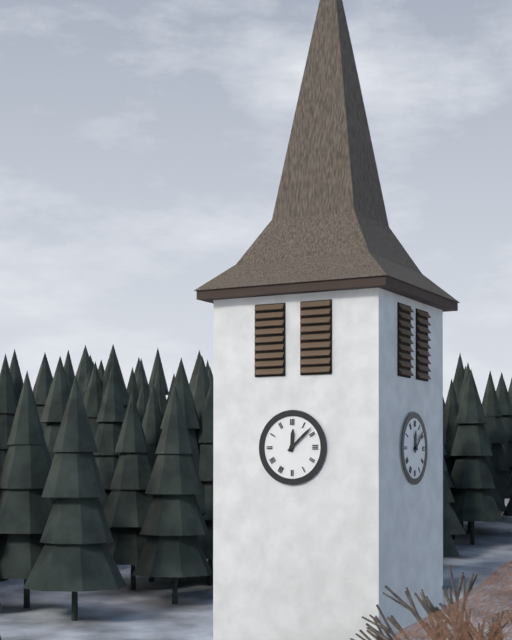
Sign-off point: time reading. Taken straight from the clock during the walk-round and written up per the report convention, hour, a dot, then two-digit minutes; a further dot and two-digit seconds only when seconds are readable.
12.08
